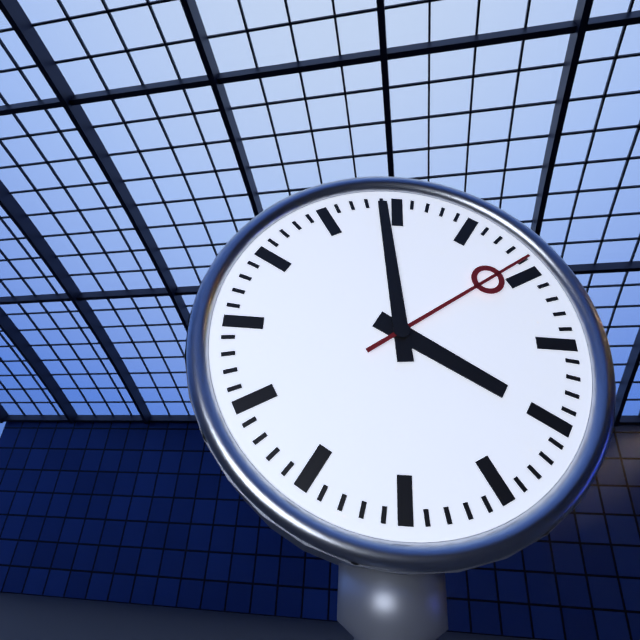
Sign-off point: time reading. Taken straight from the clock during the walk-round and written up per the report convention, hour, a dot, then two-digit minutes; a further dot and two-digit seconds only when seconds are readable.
3.59.09
